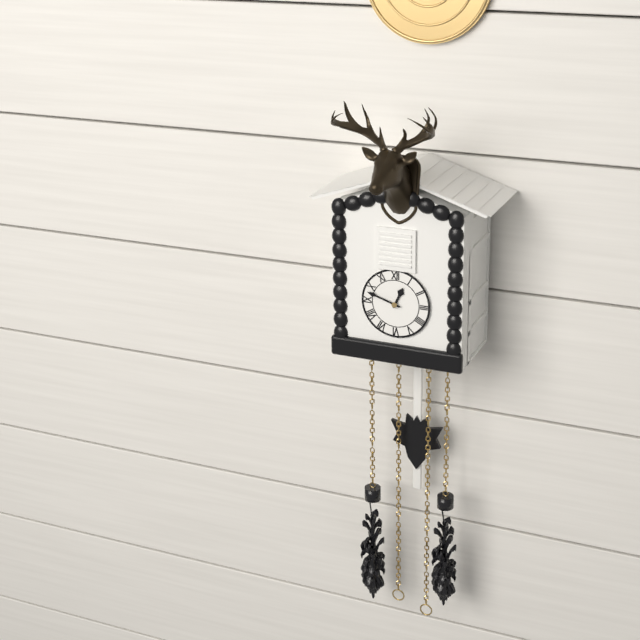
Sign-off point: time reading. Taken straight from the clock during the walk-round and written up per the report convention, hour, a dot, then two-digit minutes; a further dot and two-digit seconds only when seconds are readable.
12.48
